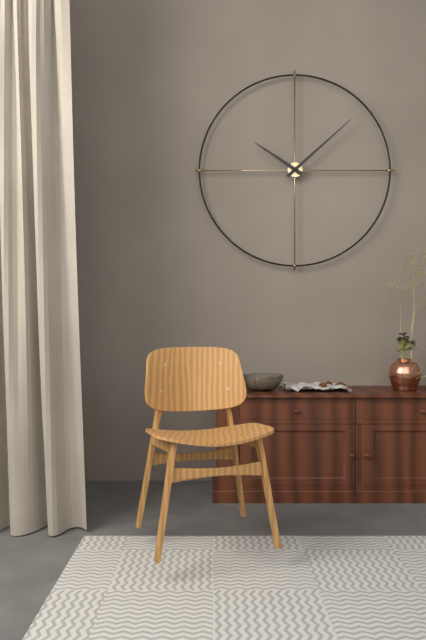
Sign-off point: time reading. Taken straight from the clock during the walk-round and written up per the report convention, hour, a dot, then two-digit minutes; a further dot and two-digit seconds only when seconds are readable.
10.08
